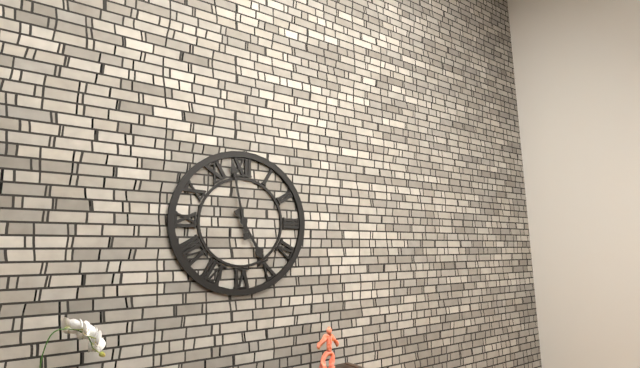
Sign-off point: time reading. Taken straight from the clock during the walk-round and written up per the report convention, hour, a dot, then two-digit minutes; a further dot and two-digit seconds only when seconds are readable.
4.58
